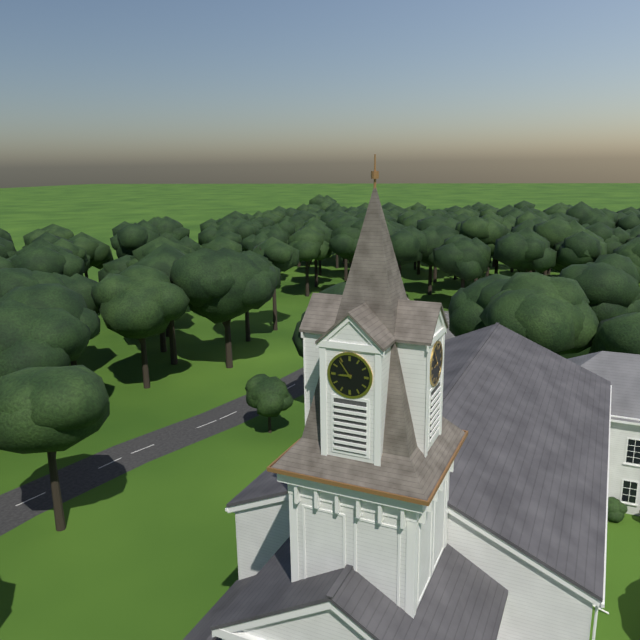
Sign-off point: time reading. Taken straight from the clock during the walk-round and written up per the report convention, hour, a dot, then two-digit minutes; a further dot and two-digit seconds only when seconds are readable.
8.54
